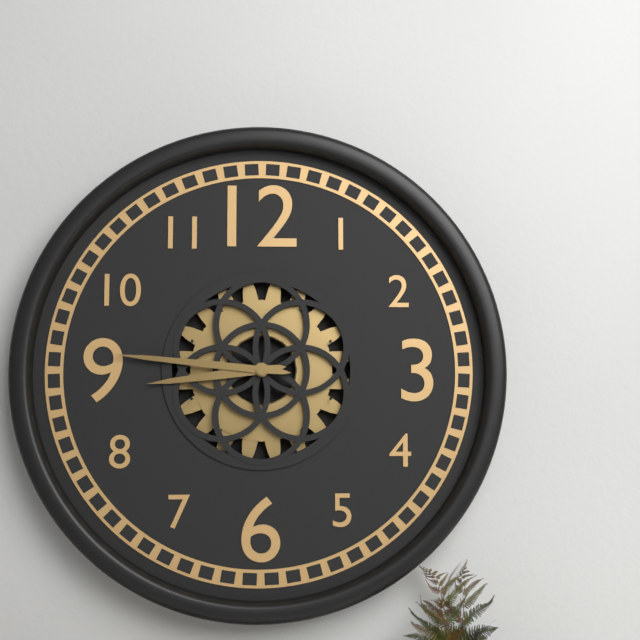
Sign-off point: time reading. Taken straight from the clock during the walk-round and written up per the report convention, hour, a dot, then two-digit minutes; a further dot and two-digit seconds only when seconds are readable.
8.46
